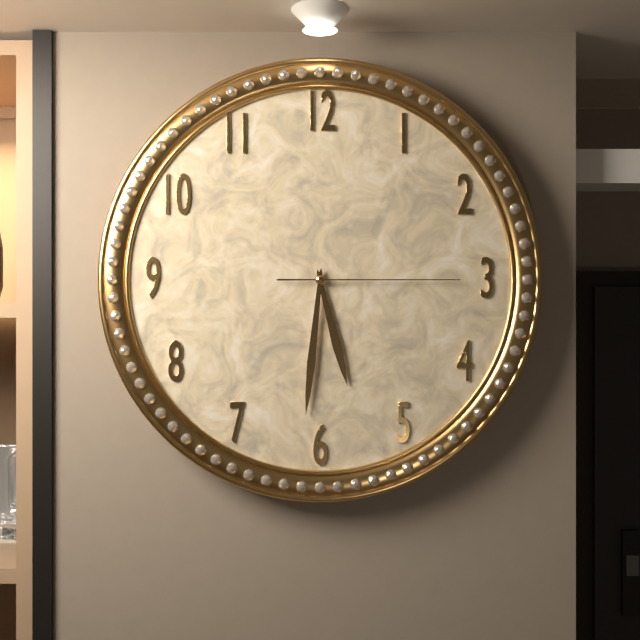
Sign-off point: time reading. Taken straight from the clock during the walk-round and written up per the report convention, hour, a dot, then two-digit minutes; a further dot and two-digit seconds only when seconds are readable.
5.31.15
